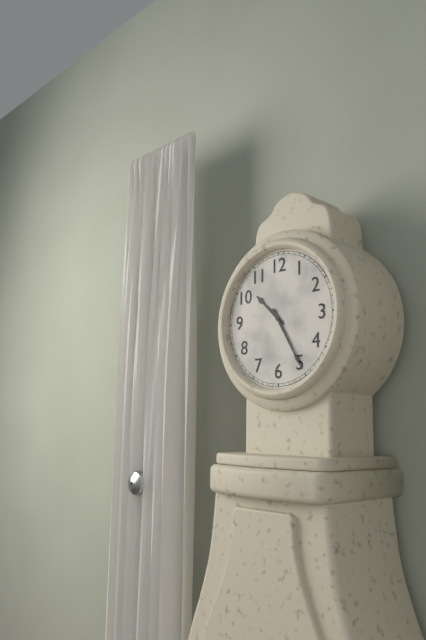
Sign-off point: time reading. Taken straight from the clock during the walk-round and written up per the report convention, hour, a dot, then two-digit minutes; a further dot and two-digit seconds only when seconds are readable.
10.25
